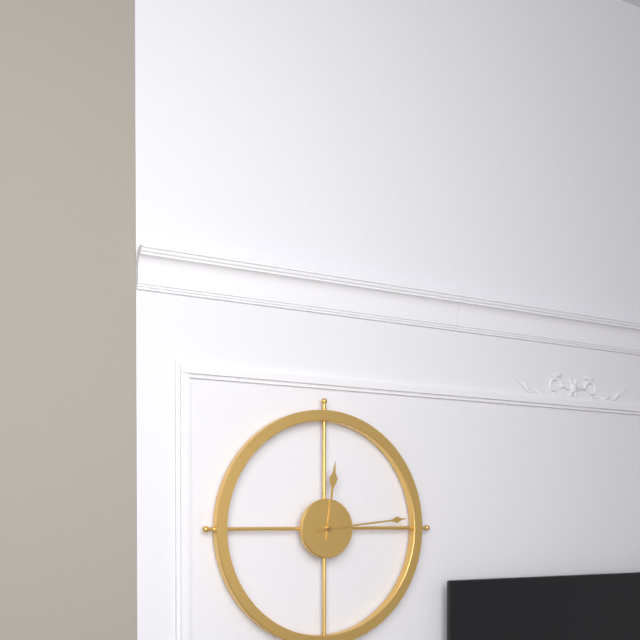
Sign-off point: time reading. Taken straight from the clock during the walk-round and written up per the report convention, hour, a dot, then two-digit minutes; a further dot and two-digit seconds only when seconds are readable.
12.14
